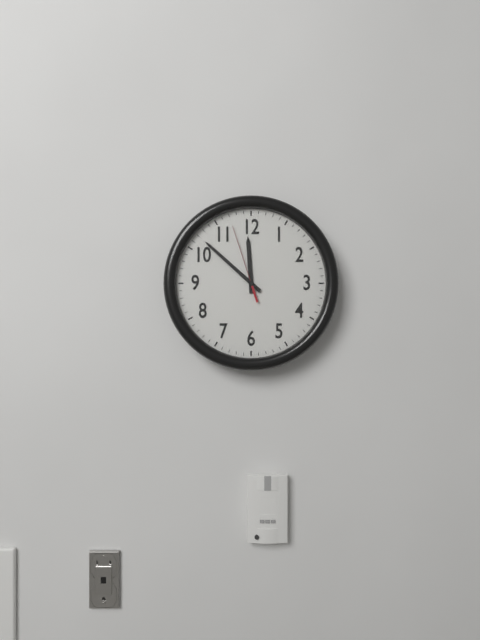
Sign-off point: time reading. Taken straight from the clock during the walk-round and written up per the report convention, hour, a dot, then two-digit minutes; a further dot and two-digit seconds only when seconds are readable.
11.52.57
